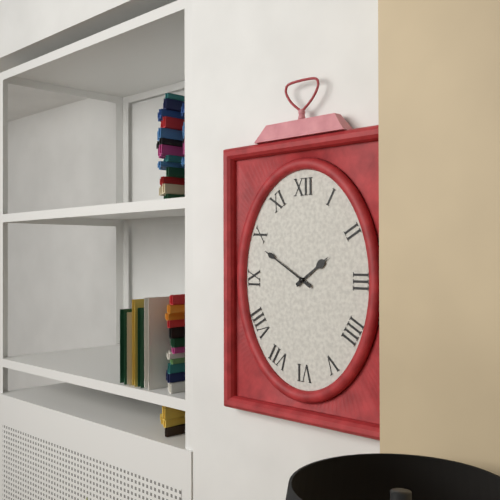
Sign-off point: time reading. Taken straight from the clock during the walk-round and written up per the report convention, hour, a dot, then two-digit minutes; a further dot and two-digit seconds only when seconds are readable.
1.50
